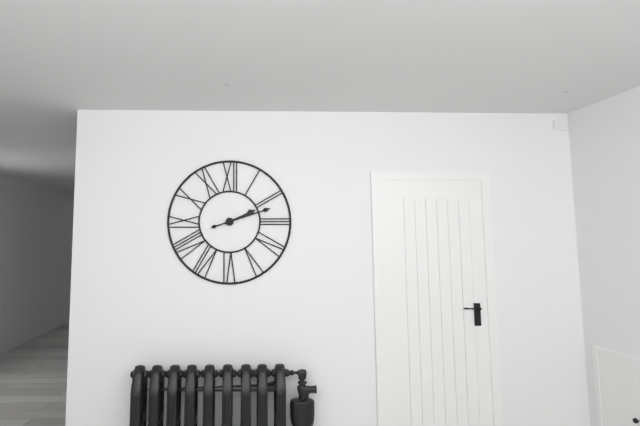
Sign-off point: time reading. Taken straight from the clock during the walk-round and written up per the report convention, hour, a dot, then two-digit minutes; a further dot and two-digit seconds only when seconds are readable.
2.12
